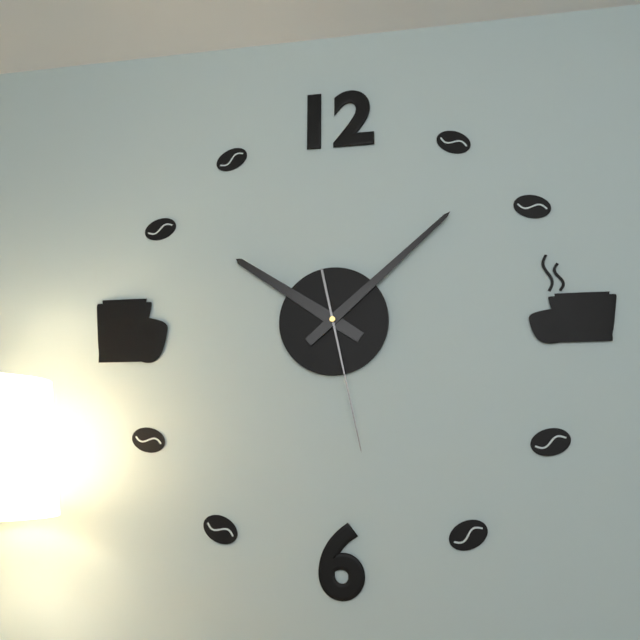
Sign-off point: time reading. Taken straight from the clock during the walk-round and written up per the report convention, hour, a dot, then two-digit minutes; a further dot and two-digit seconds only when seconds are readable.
10.08.28
